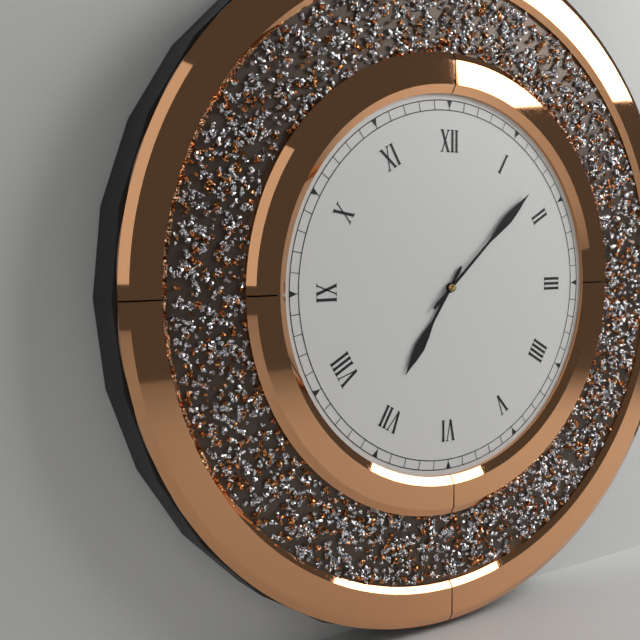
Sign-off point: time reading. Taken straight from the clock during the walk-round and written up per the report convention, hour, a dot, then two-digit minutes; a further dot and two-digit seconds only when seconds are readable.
7.08
